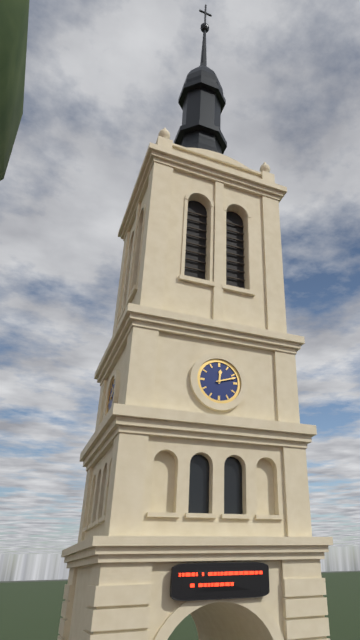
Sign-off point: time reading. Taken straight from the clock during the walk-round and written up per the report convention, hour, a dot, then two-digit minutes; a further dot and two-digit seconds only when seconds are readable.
12.12
